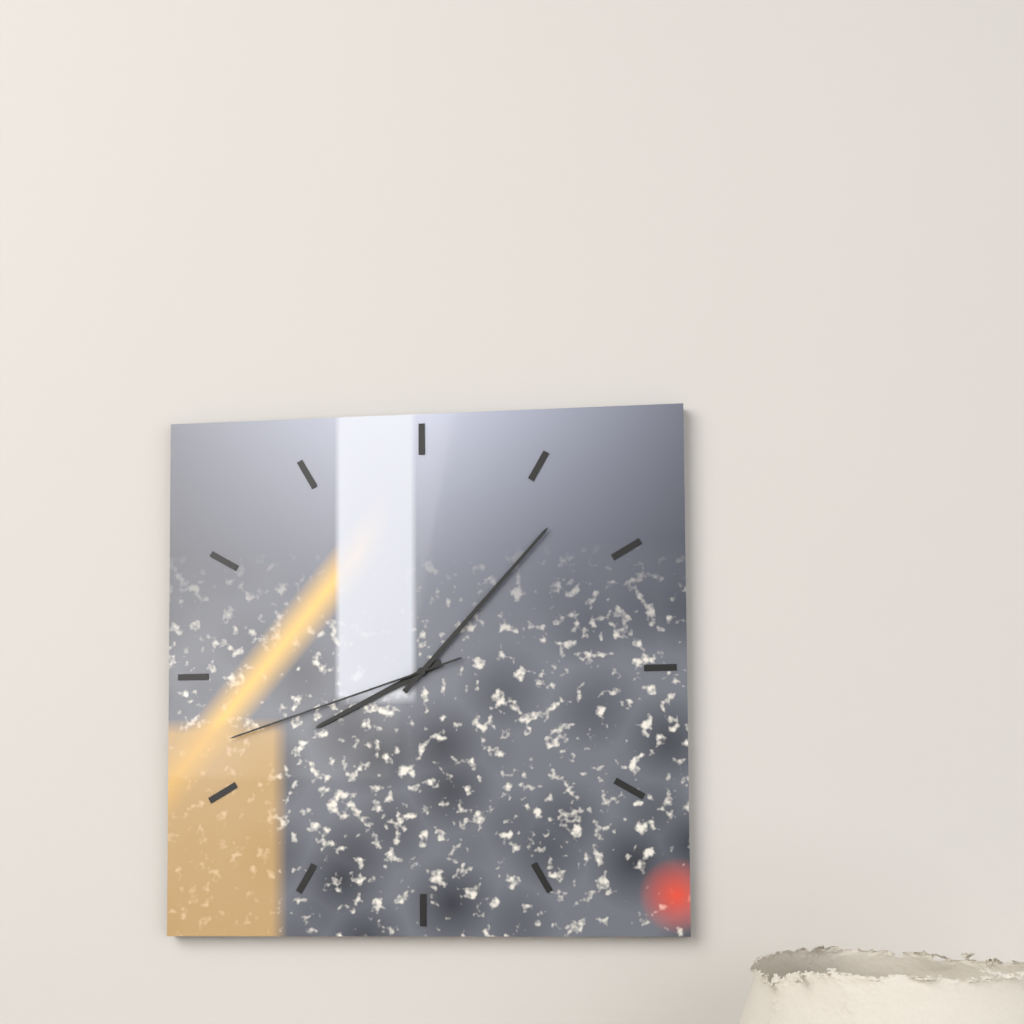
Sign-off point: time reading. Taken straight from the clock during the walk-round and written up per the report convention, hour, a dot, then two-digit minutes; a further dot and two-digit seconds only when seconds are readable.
8.07.42
